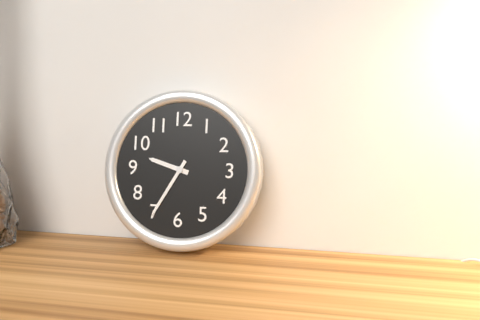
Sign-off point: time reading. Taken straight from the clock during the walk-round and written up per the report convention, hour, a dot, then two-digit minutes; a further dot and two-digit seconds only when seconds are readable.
9.35
